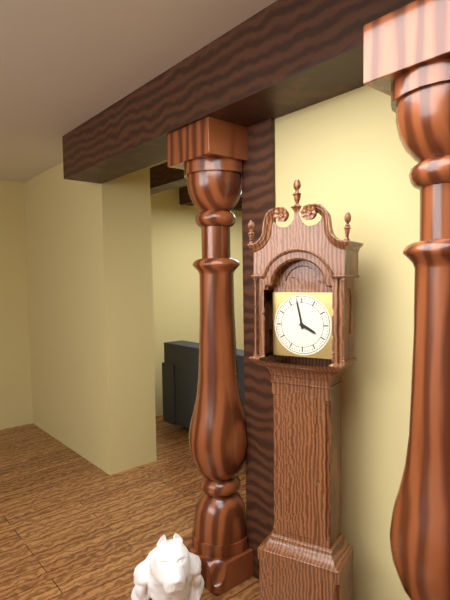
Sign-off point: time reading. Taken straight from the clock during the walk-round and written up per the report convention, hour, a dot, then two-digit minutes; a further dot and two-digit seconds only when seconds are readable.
3.58
